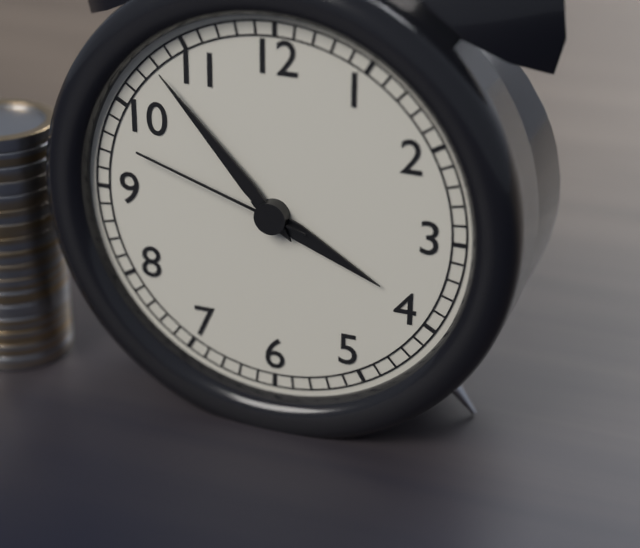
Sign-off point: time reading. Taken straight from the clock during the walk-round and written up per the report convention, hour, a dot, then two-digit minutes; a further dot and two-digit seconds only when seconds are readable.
3.53.48
